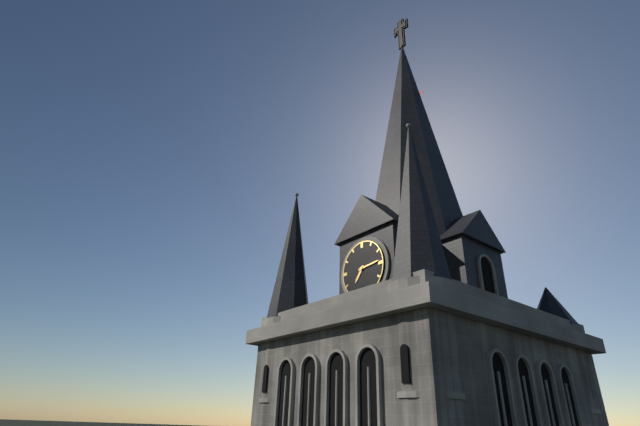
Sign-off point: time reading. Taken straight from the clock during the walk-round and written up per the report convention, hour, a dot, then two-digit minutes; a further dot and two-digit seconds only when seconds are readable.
7.14
